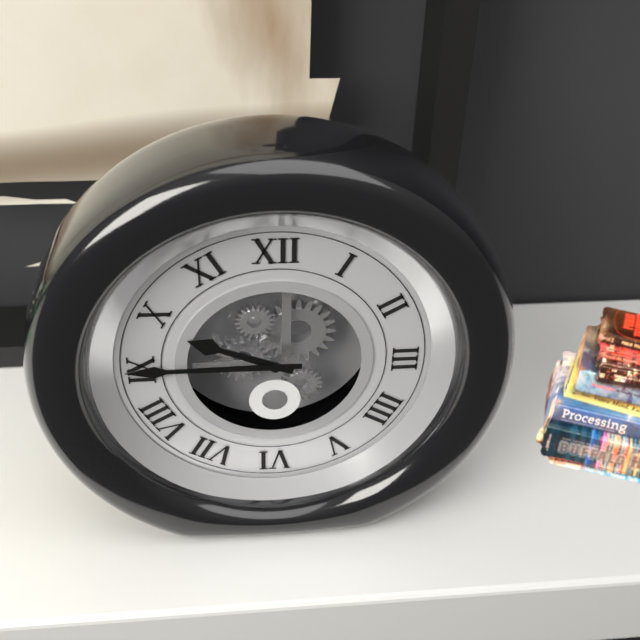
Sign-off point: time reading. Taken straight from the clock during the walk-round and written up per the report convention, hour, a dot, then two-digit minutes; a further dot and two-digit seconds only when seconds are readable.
9.45
